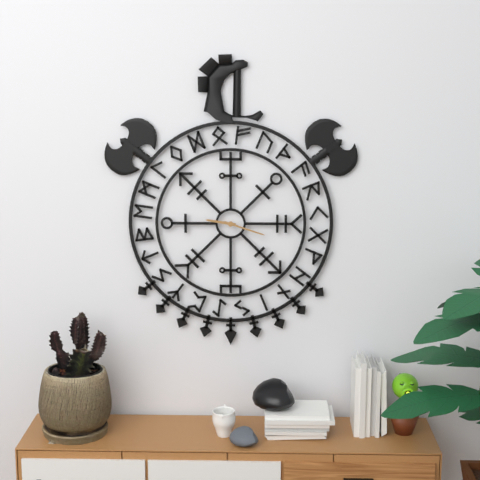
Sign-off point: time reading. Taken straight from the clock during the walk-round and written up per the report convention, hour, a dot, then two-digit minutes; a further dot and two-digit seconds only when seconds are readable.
9.18
